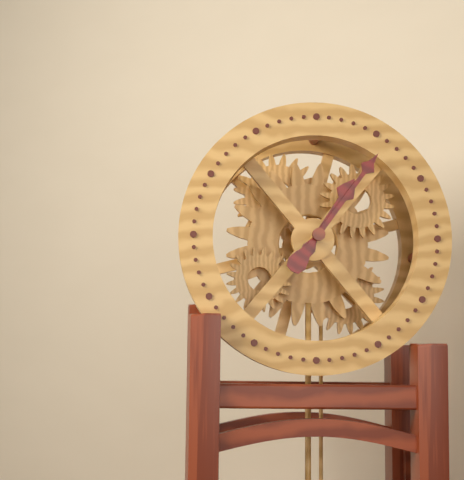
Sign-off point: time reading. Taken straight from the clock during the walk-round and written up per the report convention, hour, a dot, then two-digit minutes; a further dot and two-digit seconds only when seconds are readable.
1.06
